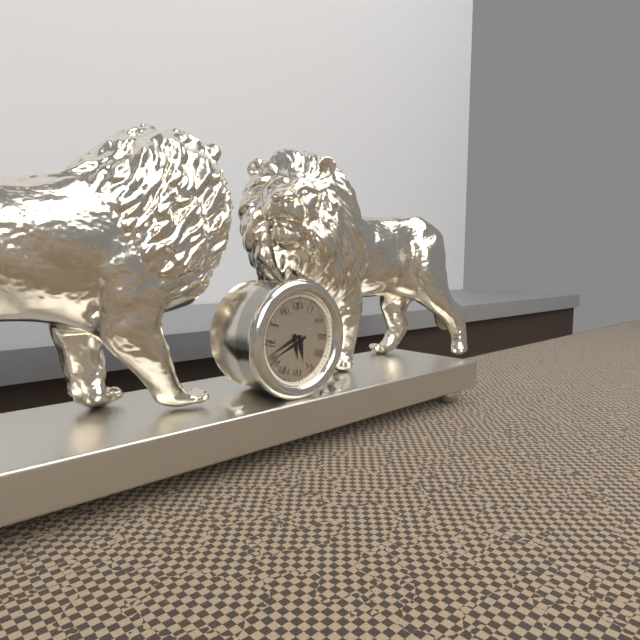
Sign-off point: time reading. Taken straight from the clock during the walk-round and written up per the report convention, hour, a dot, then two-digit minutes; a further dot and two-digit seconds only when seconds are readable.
5.41
